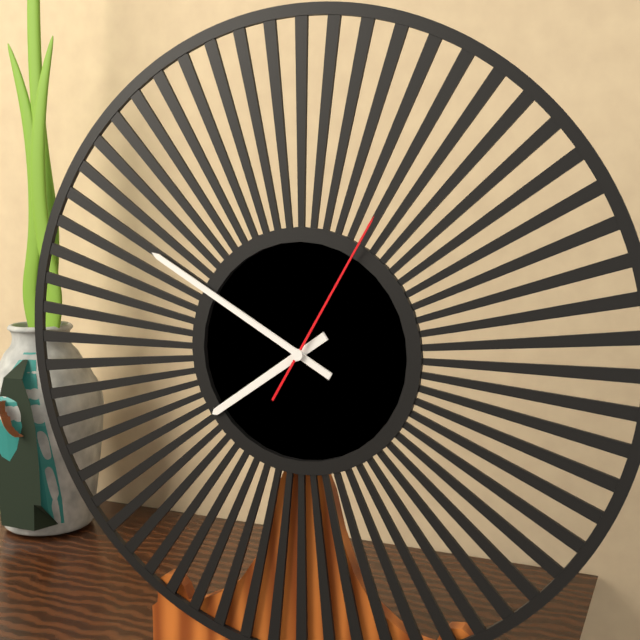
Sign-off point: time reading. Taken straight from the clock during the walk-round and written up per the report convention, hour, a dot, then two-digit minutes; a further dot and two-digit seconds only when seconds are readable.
7.50.05
